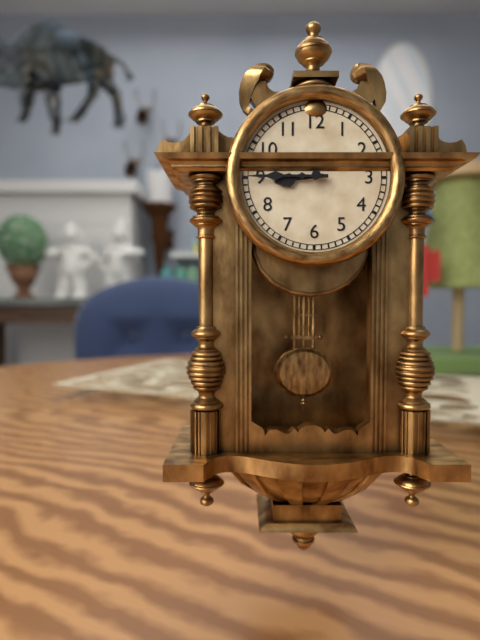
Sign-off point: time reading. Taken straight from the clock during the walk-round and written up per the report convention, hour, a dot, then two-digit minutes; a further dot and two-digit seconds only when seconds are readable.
8.45
